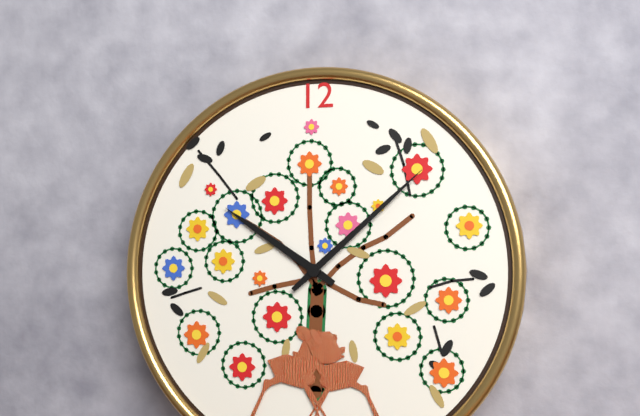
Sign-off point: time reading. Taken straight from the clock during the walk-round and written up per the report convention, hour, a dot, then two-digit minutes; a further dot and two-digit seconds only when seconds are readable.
10.08
